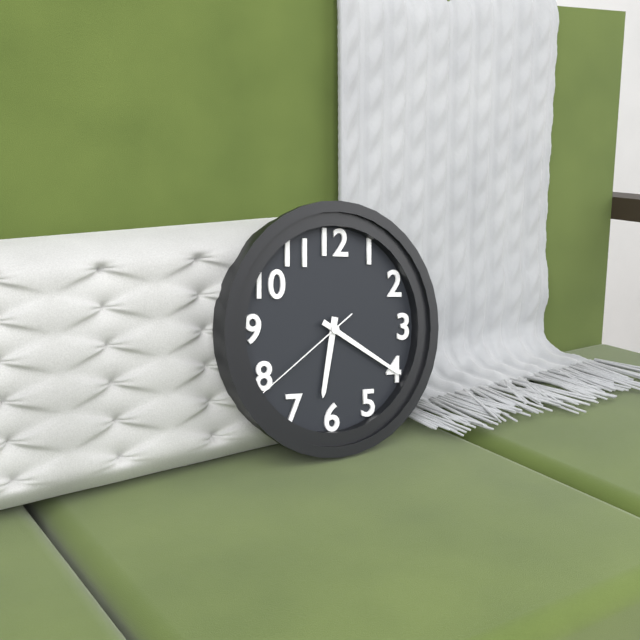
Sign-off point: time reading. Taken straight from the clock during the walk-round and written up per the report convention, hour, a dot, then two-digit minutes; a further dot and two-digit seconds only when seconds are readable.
6.20.39
